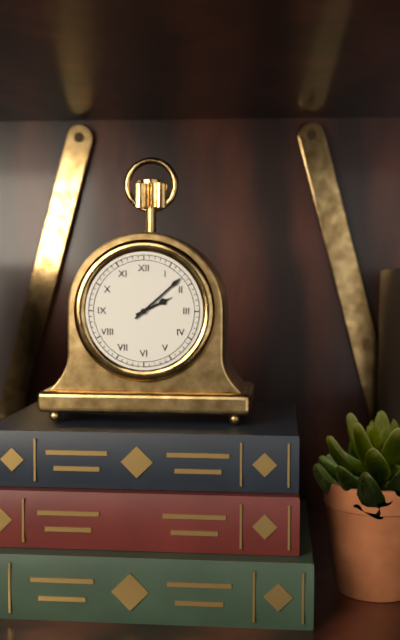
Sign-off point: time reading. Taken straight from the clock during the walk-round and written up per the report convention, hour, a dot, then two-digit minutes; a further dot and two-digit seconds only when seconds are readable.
2.08
